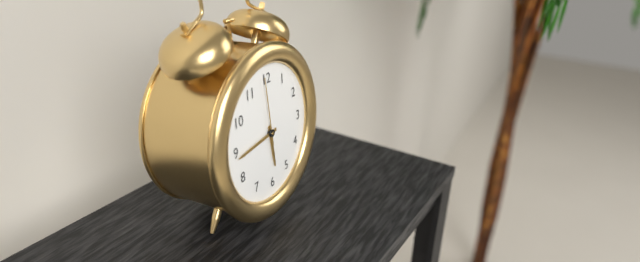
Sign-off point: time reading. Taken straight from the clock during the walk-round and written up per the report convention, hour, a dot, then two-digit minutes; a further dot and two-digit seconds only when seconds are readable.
5.44.59
